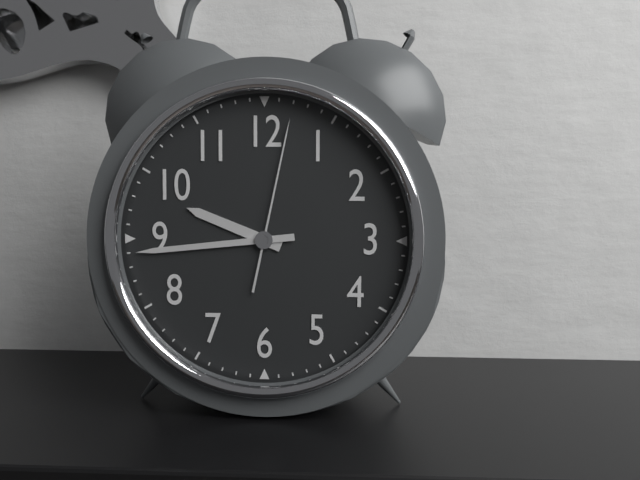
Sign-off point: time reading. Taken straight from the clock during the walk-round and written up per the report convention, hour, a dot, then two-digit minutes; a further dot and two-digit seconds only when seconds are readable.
9.44.02
